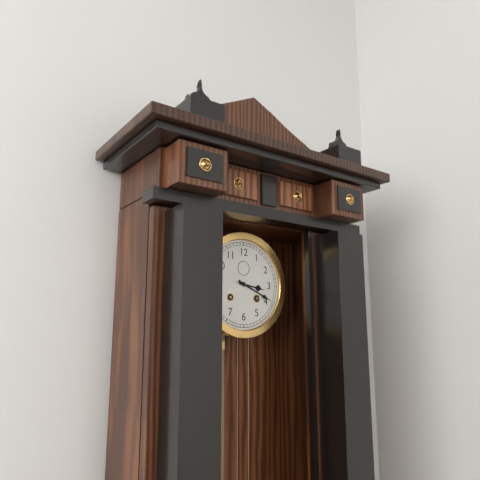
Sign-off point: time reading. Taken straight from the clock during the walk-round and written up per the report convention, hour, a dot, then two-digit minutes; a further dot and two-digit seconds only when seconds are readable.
3.19
